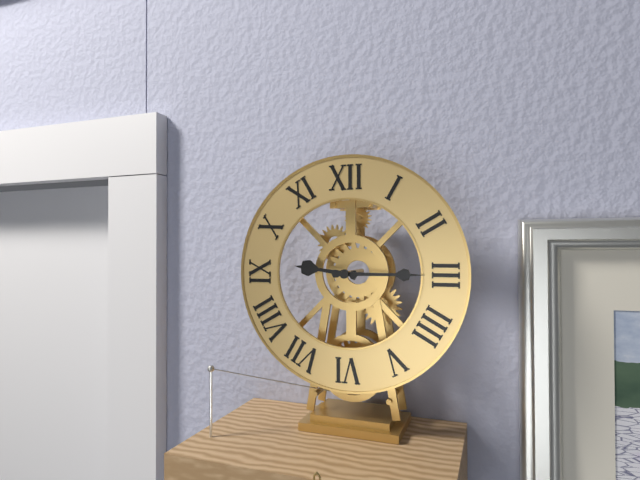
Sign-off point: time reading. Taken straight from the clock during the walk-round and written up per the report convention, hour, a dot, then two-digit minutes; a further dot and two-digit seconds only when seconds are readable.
9.15
